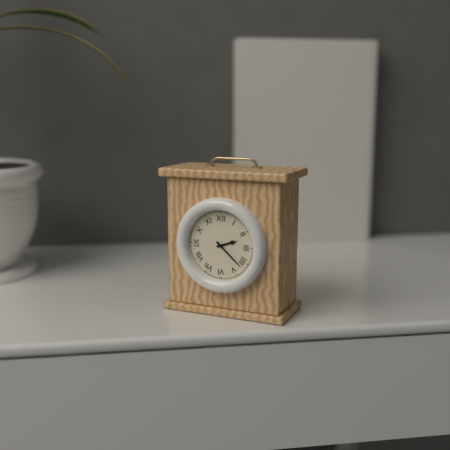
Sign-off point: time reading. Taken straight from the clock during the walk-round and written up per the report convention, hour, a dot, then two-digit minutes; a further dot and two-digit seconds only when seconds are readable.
2.22
